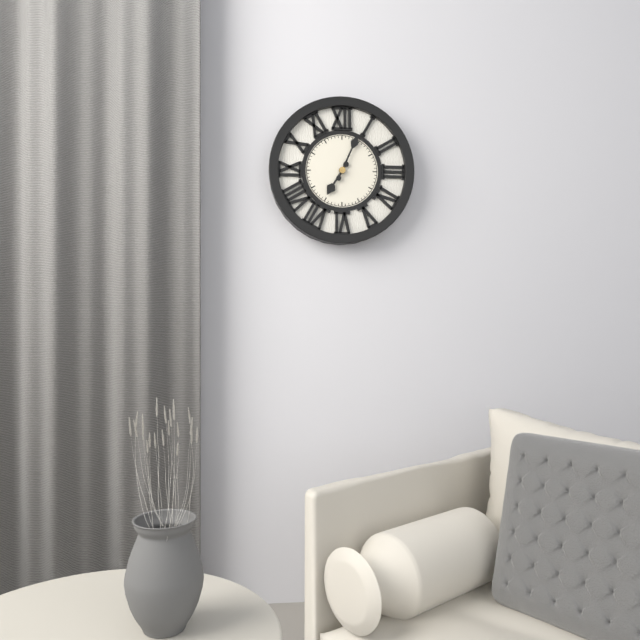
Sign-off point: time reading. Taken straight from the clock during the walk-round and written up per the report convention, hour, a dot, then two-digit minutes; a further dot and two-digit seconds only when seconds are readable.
7.04
